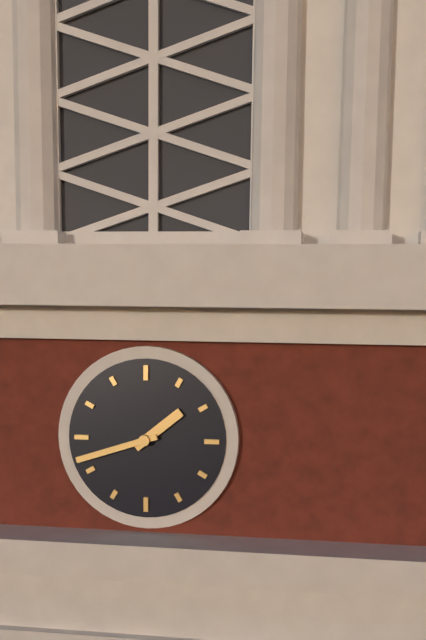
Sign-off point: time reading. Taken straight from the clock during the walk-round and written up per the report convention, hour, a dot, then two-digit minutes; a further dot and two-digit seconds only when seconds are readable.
1.42
